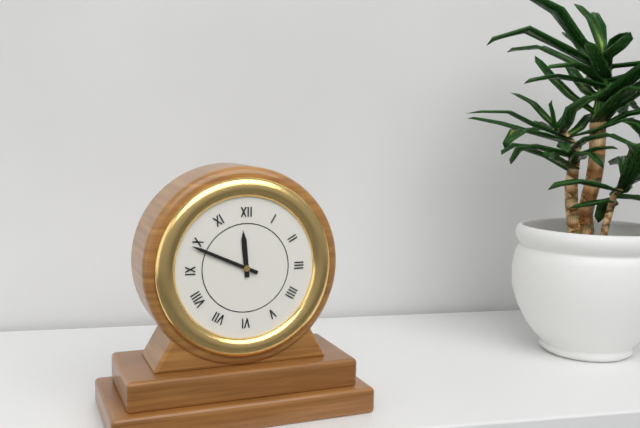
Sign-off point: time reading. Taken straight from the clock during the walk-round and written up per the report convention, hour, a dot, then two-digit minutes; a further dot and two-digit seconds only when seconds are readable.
11.49
